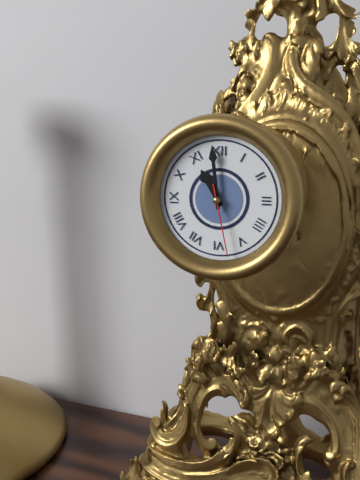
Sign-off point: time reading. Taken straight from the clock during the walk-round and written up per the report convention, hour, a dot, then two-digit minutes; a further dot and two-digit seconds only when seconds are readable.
10.59.28
